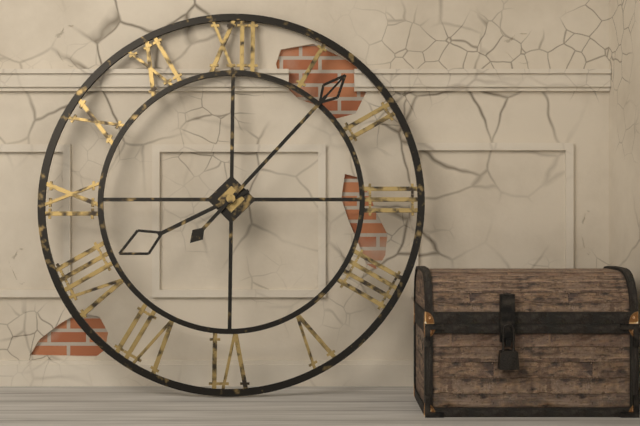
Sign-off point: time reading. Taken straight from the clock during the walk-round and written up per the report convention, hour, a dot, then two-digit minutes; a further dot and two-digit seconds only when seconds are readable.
8.07
